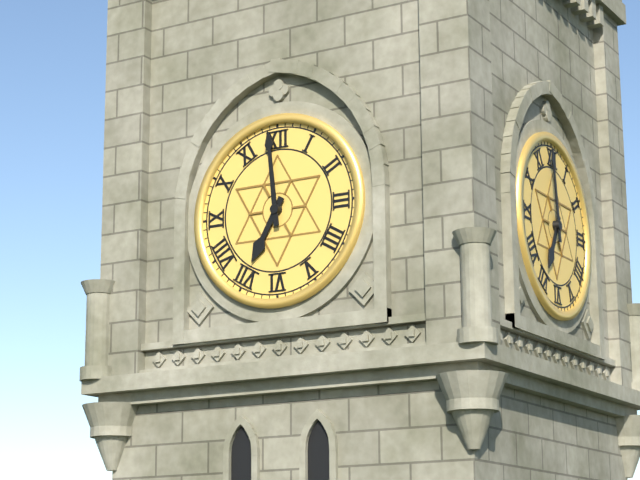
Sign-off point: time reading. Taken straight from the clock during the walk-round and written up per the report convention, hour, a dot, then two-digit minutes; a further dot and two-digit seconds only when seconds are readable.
6.59
